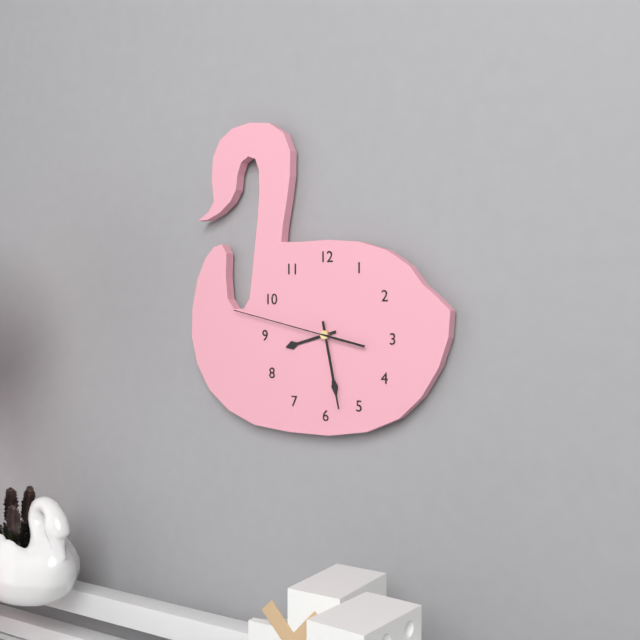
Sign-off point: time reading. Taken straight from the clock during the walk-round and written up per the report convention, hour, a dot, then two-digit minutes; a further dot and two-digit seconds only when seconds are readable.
8.28.47
